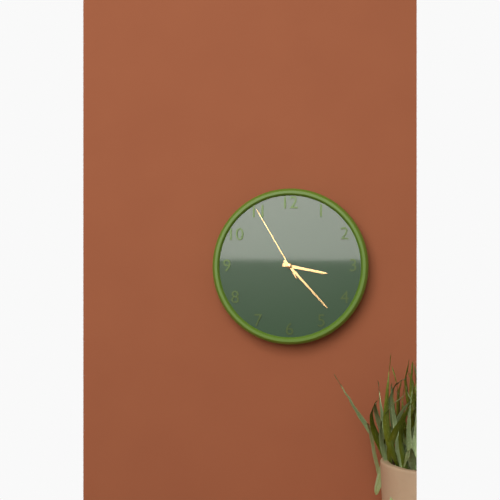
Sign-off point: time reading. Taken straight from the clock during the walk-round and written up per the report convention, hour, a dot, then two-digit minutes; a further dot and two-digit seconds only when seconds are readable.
3.23.55
